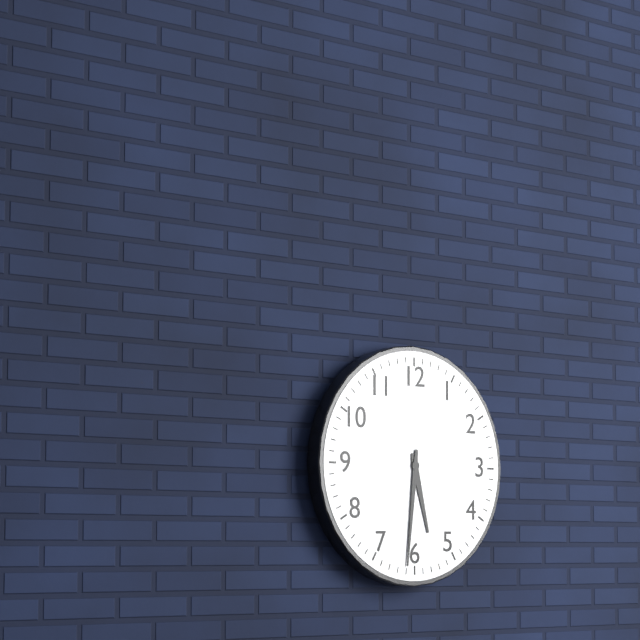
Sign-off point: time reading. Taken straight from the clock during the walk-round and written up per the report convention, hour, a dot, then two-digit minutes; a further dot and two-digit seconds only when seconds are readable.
5.31
